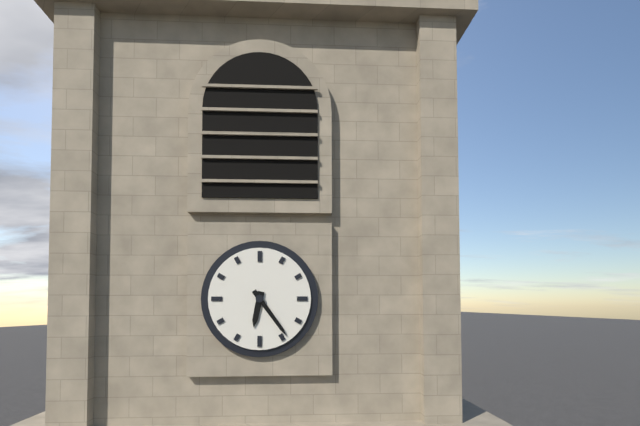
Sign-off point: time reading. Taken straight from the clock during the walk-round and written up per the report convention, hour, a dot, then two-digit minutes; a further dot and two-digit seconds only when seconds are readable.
6.24
